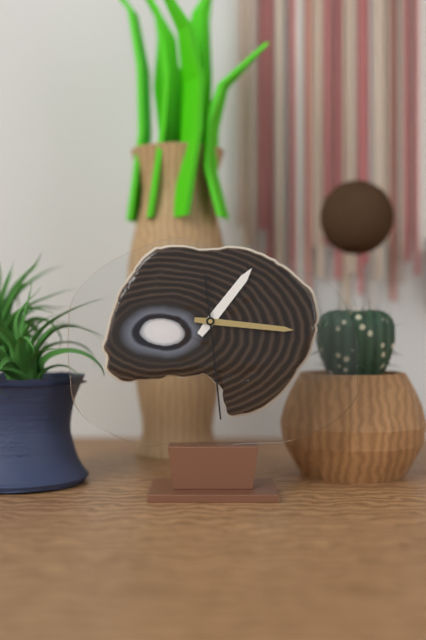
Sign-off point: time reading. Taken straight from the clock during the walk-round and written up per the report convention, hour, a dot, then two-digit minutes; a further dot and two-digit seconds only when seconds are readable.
1.16.29
